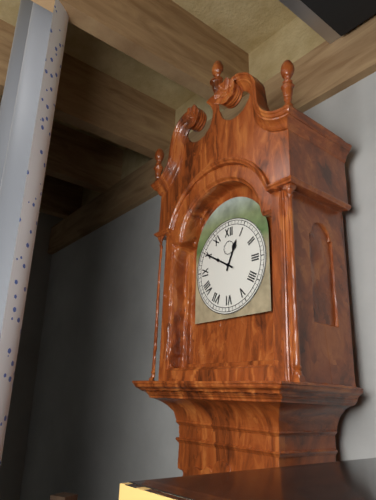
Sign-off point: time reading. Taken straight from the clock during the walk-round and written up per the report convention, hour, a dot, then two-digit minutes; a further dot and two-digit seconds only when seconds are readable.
12.50
